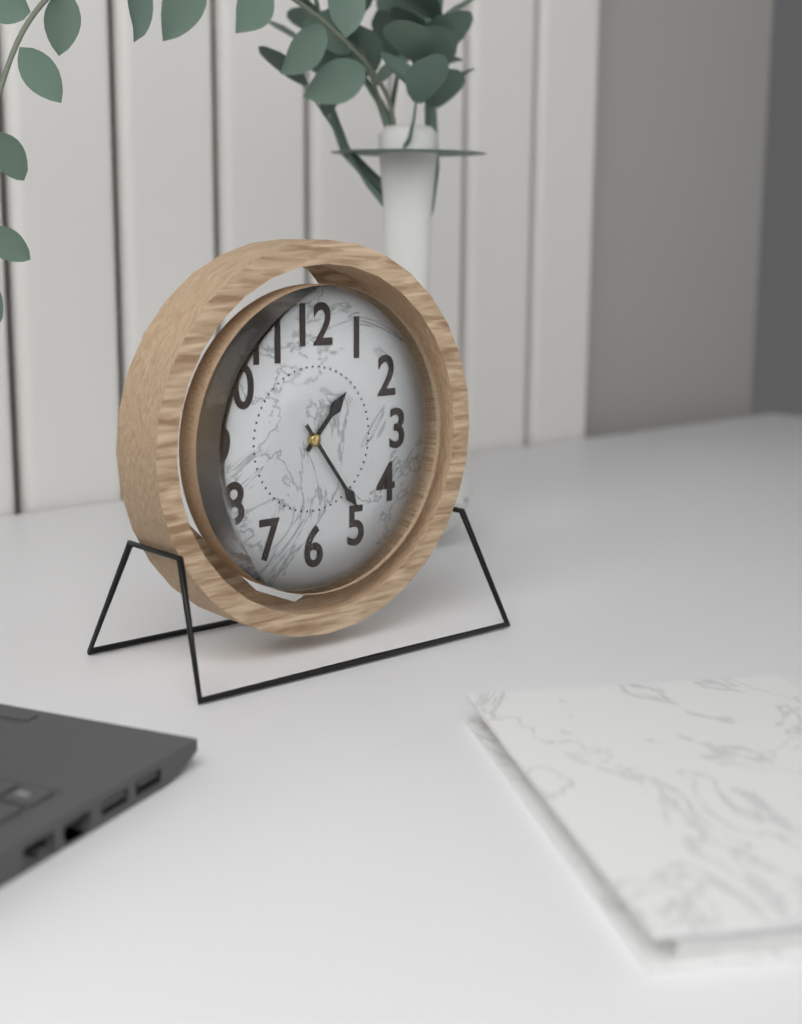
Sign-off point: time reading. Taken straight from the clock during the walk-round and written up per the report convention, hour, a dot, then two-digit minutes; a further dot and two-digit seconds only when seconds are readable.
1.24
